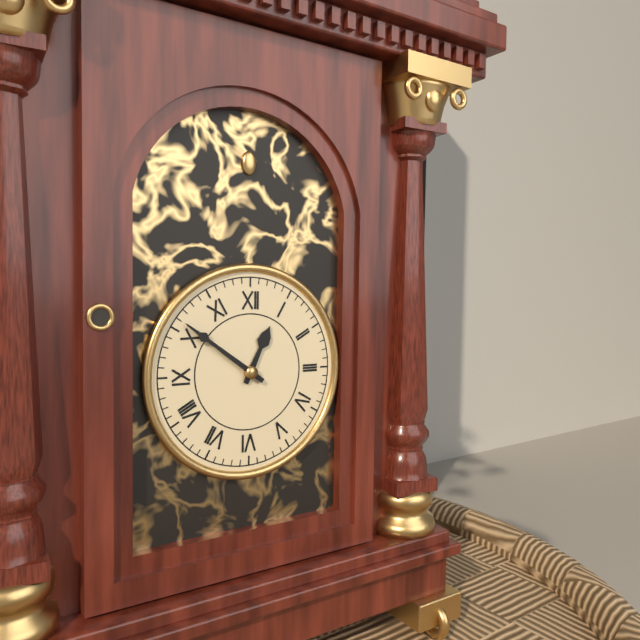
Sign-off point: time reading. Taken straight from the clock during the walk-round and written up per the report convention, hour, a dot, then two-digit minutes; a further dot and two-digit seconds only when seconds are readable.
12.51
